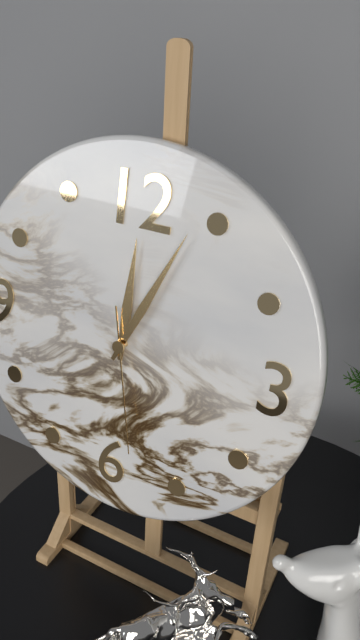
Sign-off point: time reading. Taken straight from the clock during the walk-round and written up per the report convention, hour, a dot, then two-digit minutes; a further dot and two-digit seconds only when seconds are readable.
12.04.28
